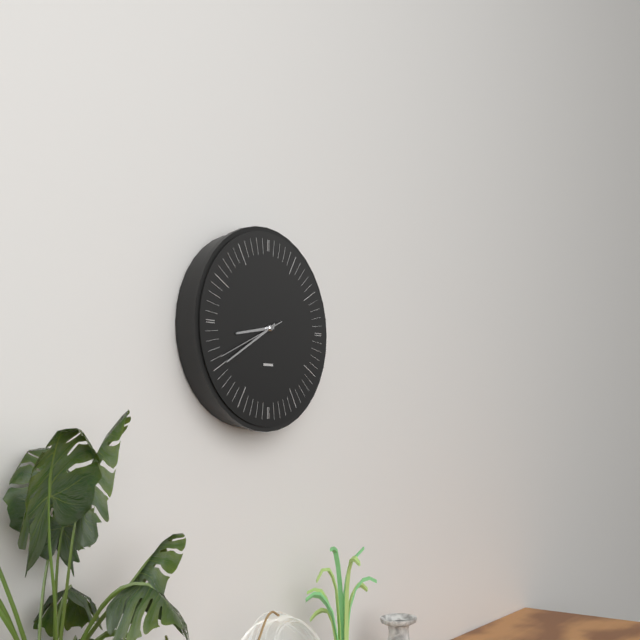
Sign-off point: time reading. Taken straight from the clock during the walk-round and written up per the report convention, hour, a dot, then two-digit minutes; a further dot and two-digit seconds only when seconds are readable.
8.40.41
